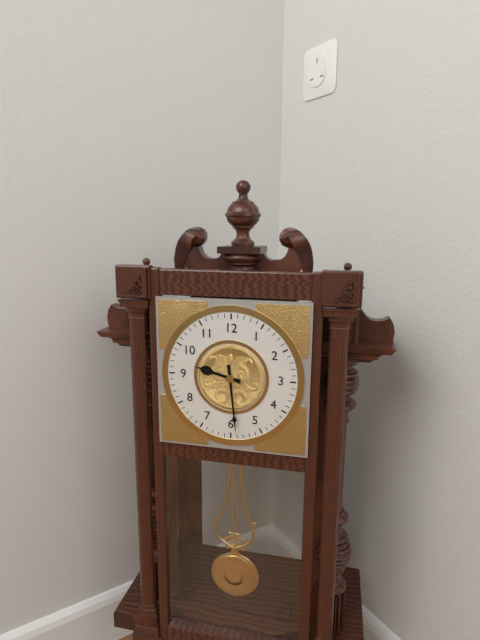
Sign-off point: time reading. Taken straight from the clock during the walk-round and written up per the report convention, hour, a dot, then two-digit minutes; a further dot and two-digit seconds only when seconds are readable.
9.29
